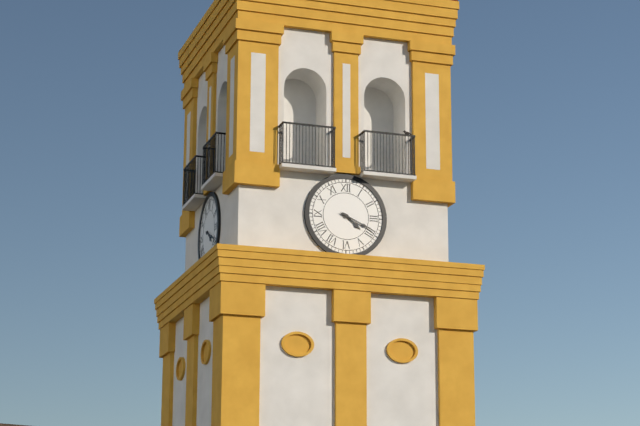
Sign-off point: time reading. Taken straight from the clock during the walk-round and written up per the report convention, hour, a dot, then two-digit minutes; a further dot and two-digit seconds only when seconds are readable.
4.19
